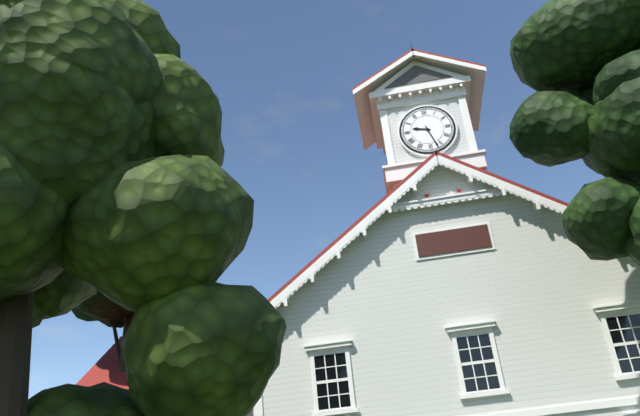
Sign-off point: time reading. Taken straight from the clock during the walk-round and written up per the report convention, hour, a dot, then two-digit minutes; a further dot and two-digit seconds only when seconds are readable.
9.27
